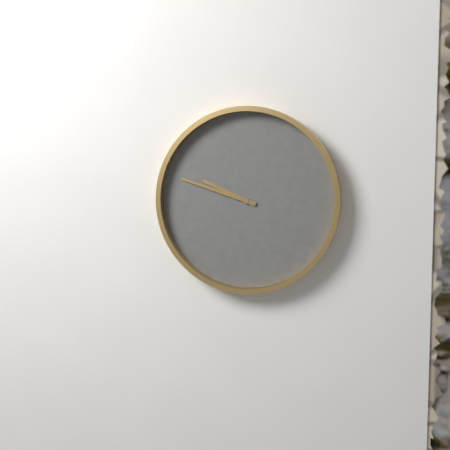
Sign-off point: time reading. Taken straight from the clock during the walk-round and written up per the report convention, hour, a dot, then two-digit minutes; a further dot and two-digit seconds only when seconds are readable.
9.48
